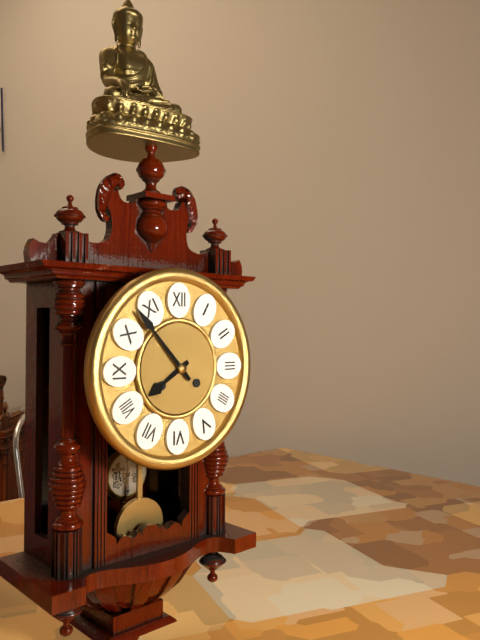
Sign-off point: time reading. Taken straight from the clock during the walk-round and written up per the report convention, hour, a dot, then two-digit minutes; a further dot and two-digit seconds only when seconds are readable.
7.53
